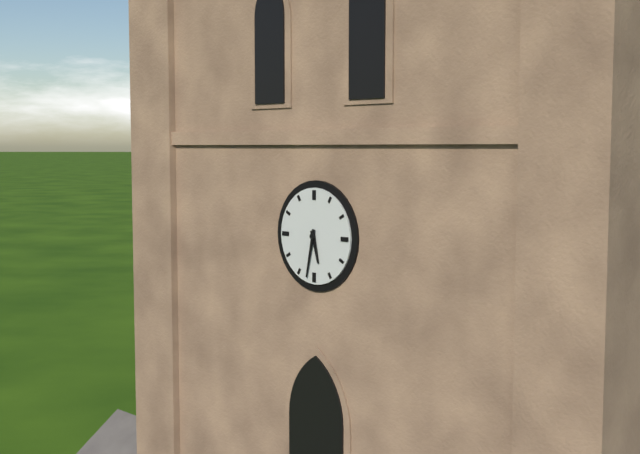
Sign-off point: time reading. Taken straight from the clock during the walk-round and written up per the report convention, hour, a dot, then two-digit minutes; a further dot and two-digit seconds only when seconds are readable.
5.32
